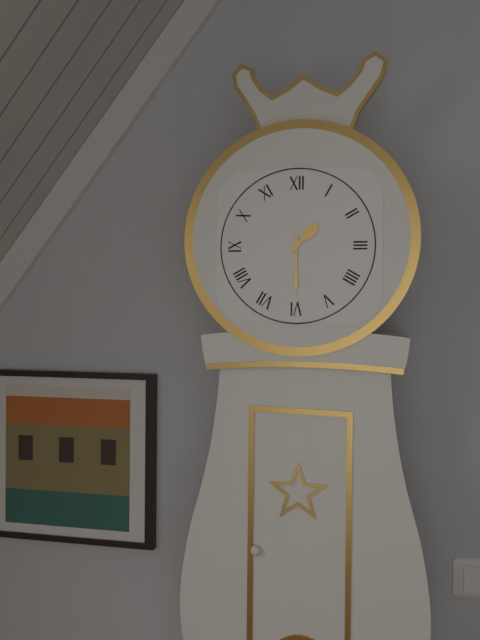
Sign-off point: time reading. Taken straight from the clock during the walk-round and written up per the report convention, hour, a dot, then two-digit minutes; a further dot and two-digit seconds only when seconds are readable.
1.30
